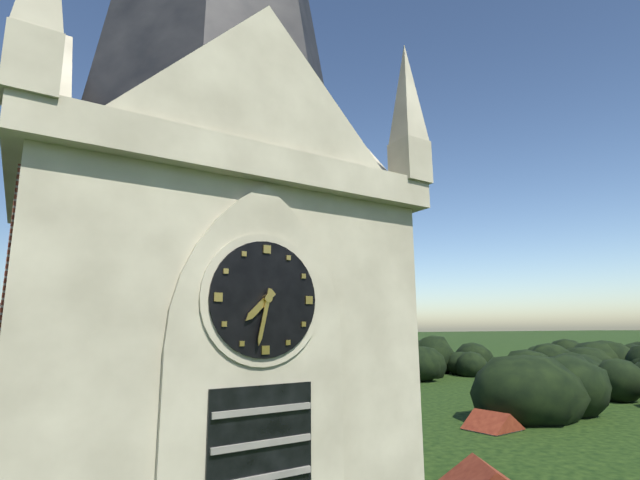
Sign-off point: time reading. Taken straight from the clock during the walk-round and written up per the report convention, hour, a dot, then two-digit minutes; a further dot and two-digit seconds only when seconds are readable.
7.32
